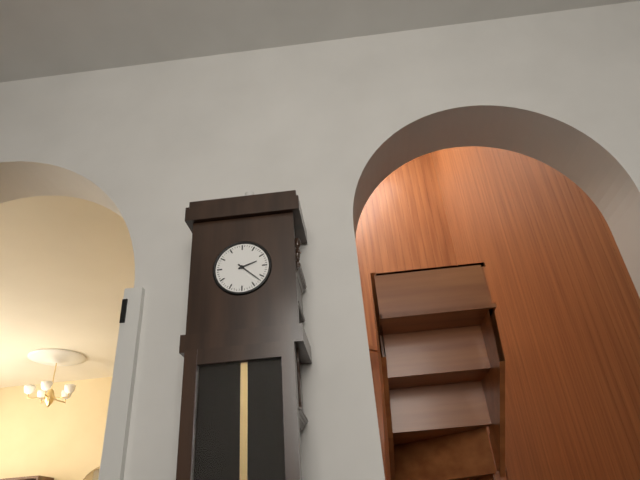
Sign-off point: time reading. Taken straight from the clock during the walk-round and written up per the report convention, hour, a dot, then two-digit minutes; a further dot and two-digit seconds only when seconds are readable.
2.22
